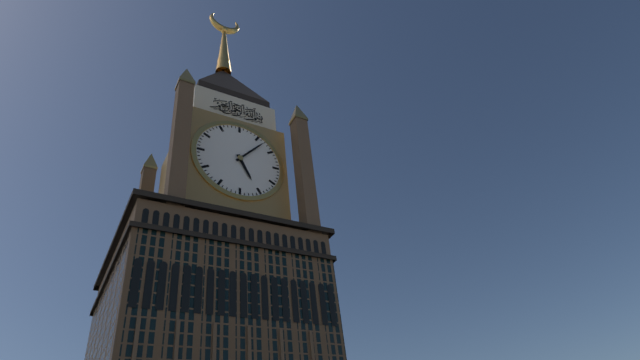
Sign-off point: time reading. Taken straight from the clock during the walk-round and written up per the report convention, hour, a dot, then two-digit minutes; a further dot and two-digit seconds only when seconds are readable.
5.07
